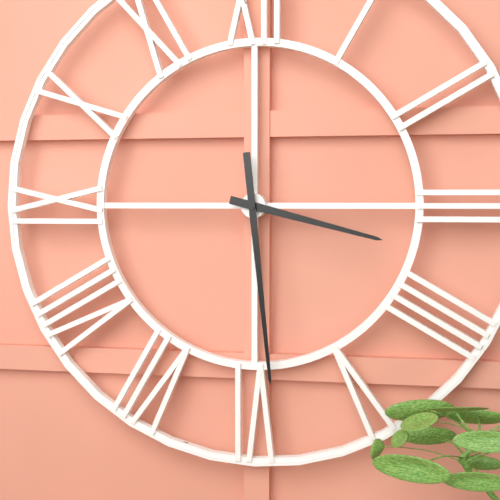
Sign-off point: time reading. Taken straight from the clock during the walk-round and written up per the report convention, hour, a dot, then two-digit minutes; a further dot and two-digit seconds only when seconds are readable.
3.29
